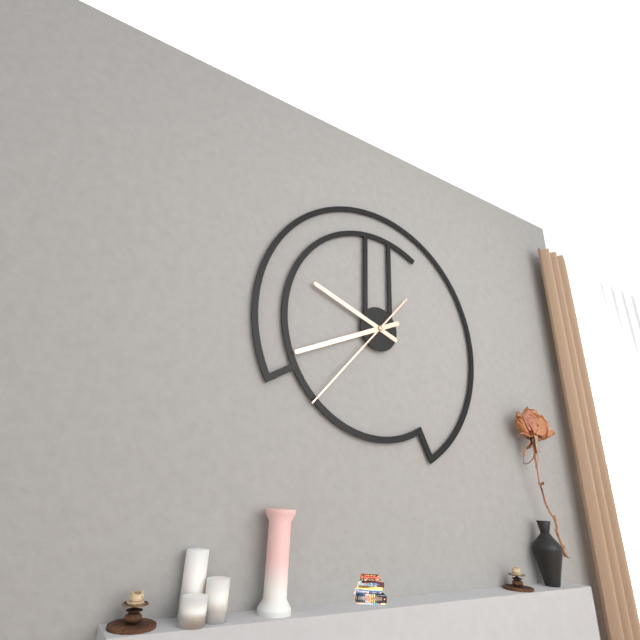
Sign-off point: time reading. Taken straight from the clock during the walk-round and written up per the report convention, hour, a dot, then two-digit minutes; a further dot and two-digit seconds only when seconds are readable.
9.41.37
